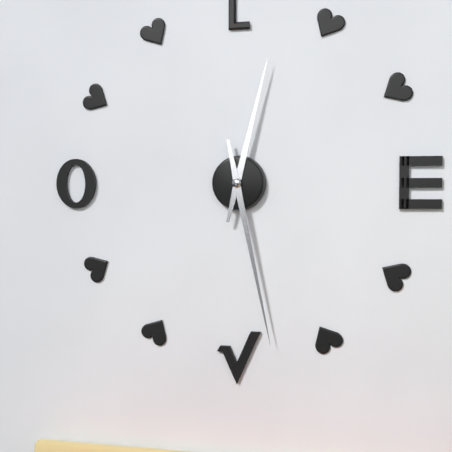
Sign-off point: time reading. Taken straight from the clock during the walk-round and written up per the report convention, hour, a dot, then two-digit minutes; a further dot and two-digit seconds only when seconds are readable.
12.28
